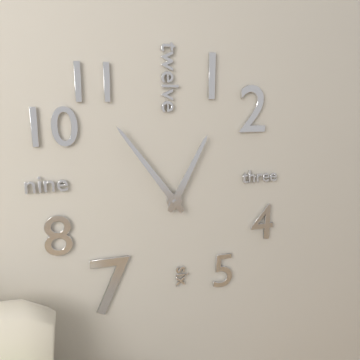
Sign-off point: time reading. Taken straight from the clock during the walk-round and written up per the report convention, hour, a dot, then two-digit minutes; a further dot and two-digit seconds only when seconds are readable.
12.54
